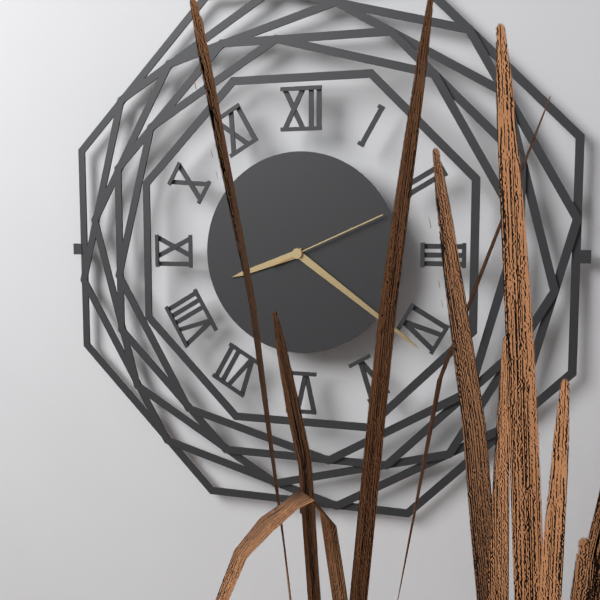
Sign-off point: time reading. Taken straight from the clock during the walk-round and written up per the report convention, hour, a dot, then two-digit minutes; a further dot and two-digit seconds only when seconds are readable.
8.21.11
